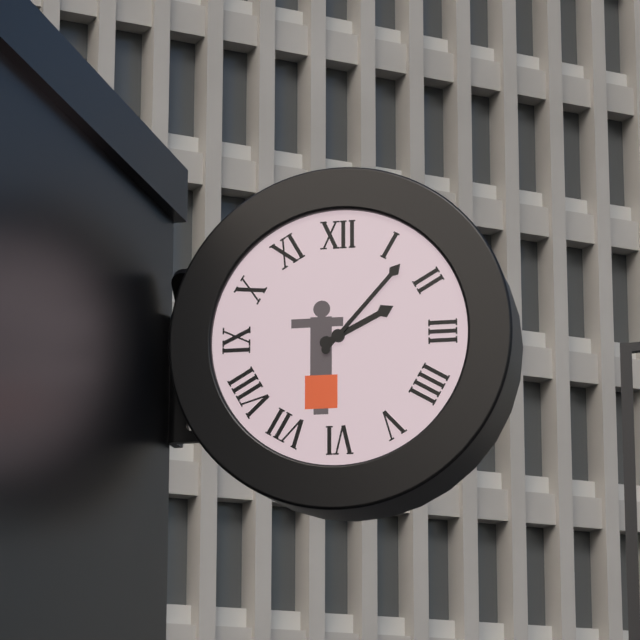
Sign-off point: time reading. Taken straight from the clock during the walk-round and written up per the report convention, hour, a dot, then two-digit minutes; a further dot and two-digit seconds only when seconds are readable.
2.07
